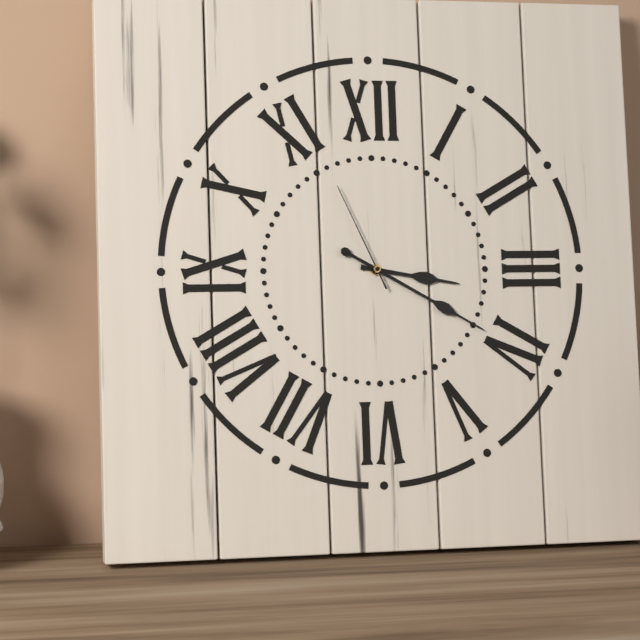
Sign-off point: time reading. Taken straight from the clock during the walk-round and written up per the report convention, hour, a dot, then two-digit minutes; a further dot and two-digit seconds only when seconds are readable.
3.20.56
